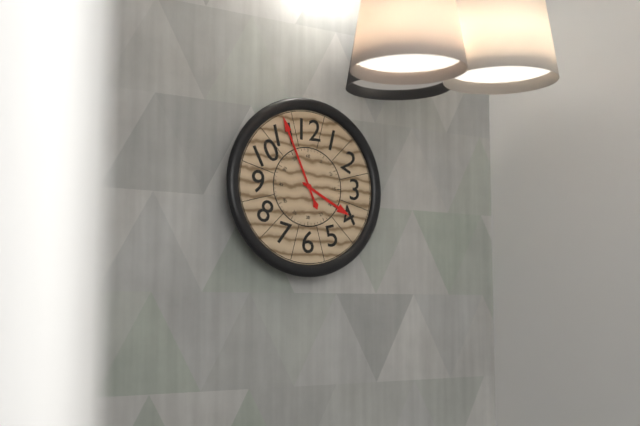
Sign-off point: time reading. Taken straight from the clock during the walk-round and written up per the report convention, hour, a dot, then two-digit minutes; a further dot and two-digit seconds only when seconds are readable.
3.56
